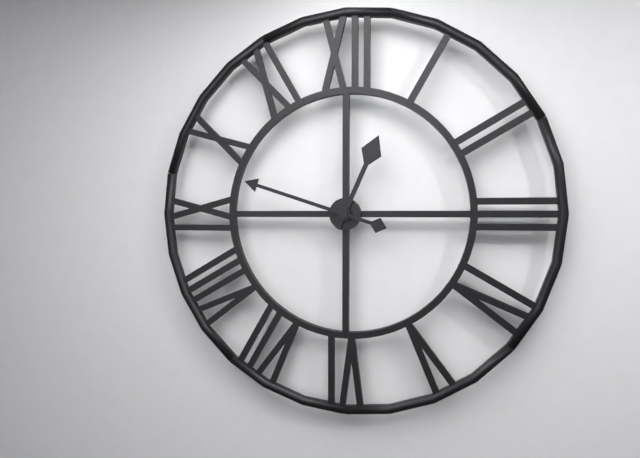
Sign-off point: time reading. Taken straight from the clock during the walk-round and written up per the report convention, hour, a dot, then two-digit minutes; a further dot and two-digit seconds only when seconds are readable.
12.48
